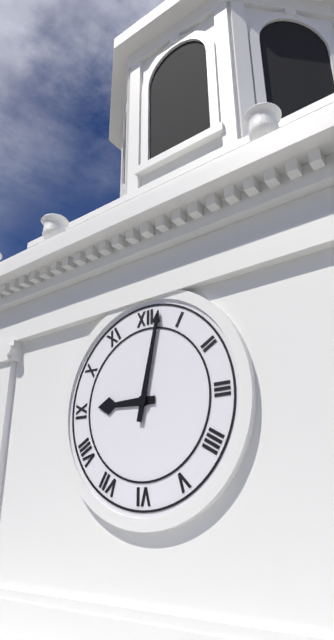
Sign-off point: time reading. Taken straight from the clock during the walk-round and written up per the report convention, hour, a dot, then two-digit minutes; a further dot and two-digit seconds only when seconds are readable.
9.02
